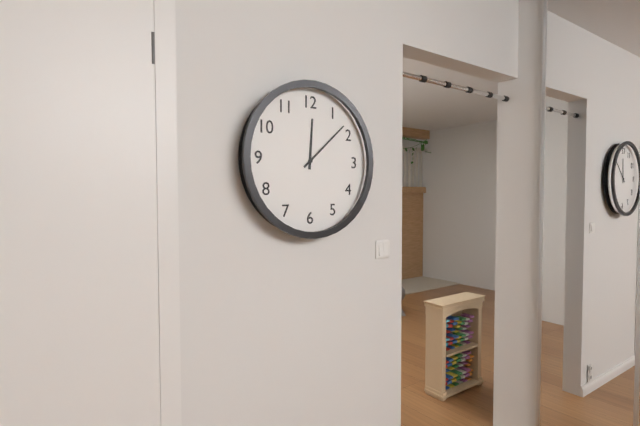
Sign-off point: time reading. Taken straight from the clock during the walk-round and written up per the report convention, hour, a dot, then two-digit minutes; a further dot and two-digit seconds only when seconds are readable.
12.08
